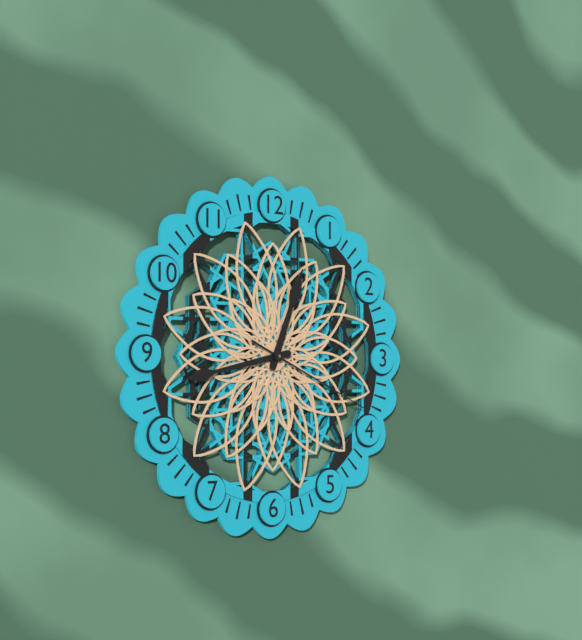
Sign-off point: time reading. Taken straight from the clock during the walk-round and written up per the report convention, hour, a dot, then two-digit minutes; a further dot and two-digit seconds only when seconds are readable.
12.43.19
